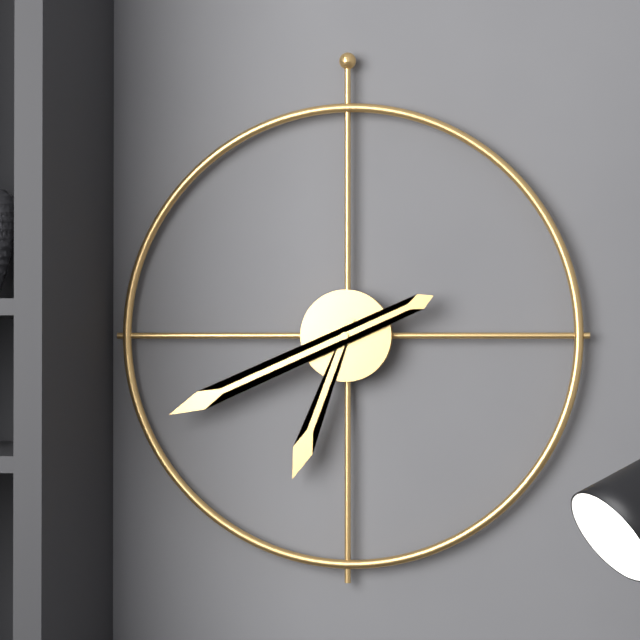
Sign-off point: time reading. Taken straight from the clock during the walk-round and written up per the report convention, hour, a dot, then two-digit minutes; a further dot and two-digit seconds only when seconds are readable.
6.41
